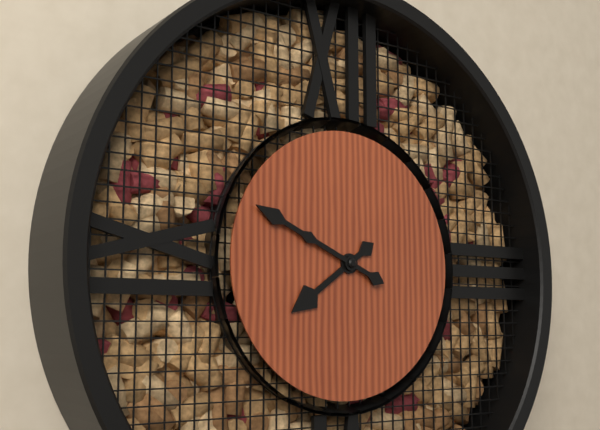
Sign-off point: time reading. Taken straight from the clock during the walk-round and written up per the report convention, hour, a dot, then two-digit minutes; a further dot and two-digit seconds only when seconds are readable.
7.49
